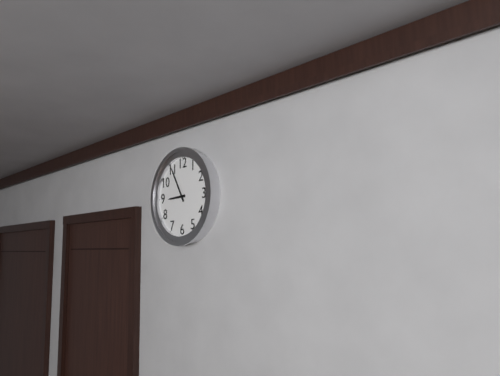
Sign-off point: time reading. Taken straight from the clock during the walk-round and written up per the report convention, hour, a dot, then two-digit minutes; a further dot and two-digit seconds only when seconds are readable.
8.55
